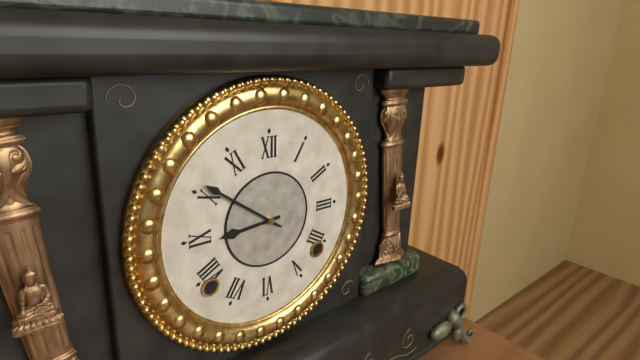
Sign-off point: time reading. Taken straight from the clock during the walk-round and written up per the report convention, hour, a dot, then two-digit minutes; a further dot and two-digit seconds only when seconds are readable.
8.51
